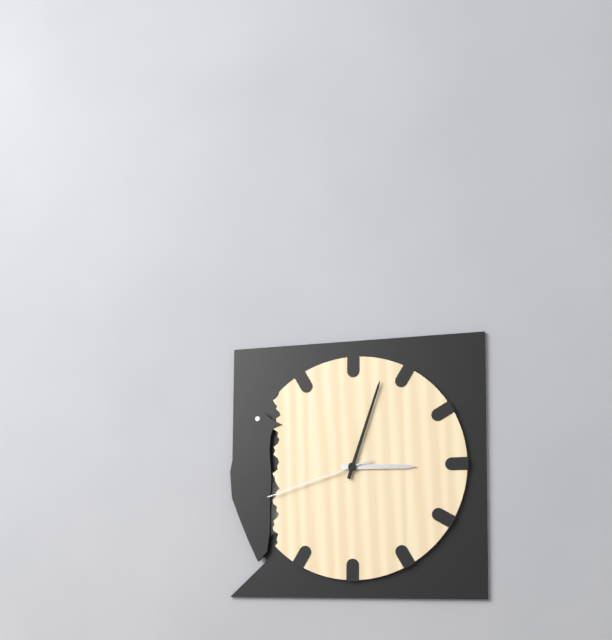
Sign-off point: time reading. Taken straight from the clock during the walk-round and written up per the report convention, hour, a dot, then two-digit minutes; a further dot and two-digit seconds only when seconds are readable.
3.03.42
